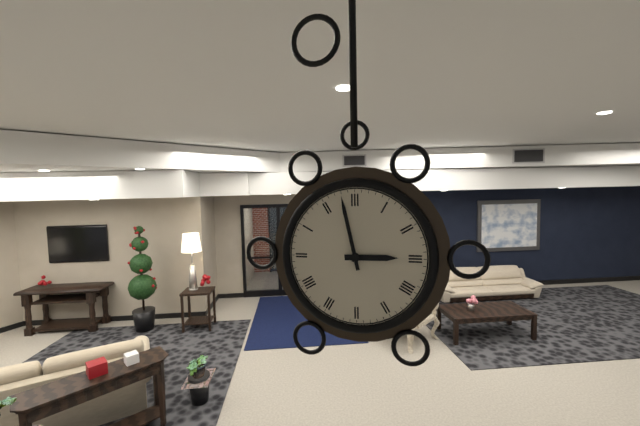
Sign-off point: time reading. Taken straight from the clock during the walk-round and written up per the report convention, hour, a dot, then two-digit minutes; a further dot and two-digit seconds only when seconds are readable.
2.58
